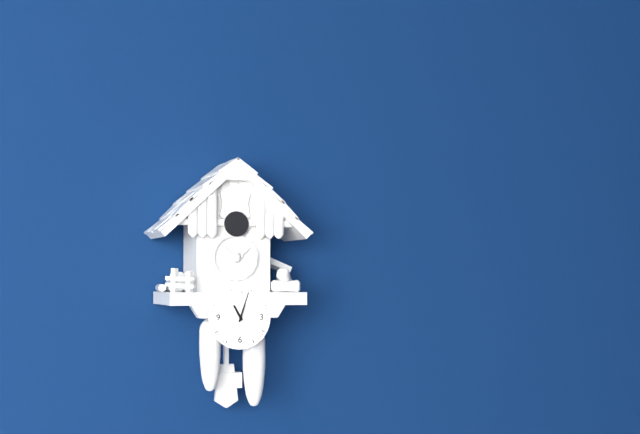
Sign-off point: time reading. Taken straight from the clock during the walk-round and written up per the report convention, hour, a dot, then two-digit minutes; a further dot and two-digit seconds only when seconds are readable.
11.03
